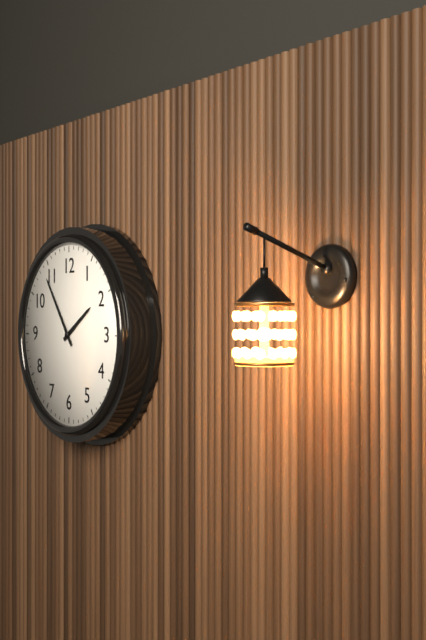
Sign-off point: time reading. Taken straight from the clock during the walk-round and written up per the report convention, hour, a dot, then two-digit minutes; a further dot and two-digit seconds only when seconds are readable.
1.54
